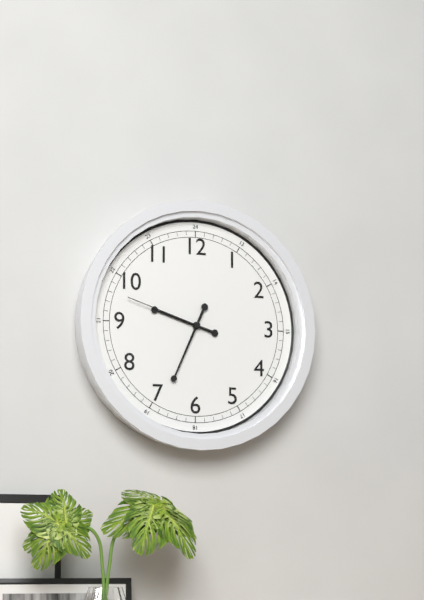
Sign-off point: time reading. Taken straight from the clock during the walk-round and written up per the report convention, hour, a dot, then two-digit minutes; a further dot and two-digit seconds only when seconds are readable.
9.34.48
